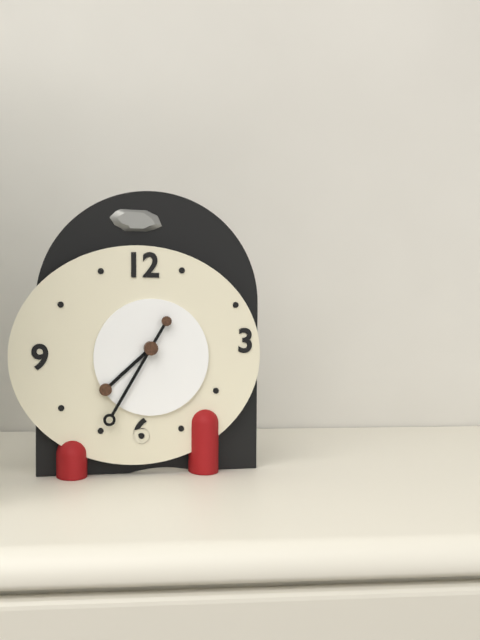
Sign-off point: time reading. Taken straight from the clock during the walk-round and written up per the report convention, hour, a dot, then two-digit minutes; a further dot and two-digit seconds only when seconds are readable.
7.35
